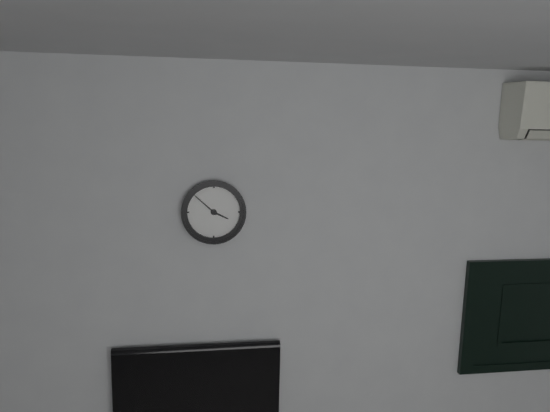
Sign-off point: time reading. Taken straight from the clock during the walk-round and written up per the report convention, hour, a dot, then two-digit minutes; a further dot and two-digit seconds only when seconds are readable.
3.52
